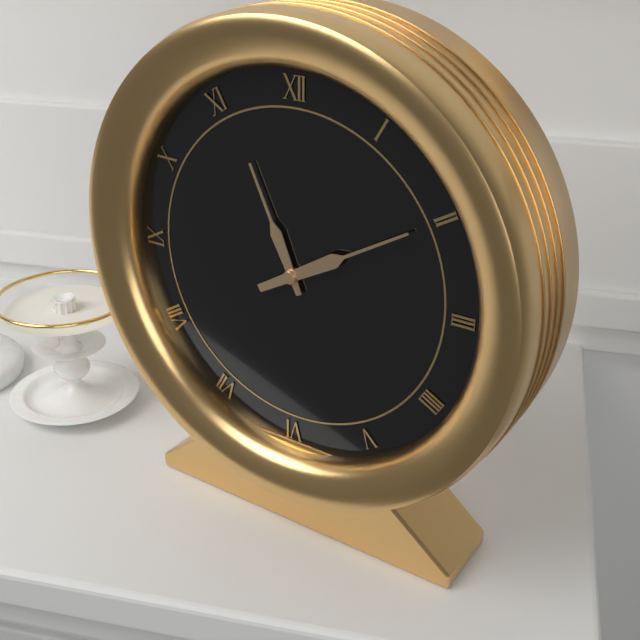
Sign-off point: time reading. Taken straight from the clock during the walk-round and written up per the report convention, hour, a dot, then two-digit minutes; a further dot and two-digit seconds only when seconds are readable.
11.10
